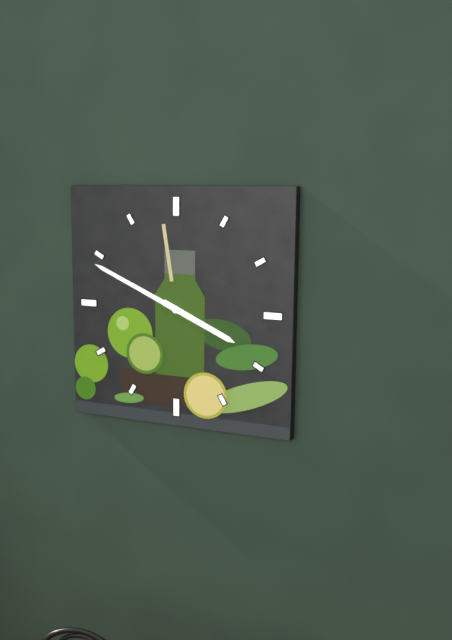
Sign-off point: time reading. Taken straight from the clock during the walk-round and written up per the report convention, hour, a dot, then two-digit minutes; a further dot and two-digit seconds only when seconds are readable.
3.49
